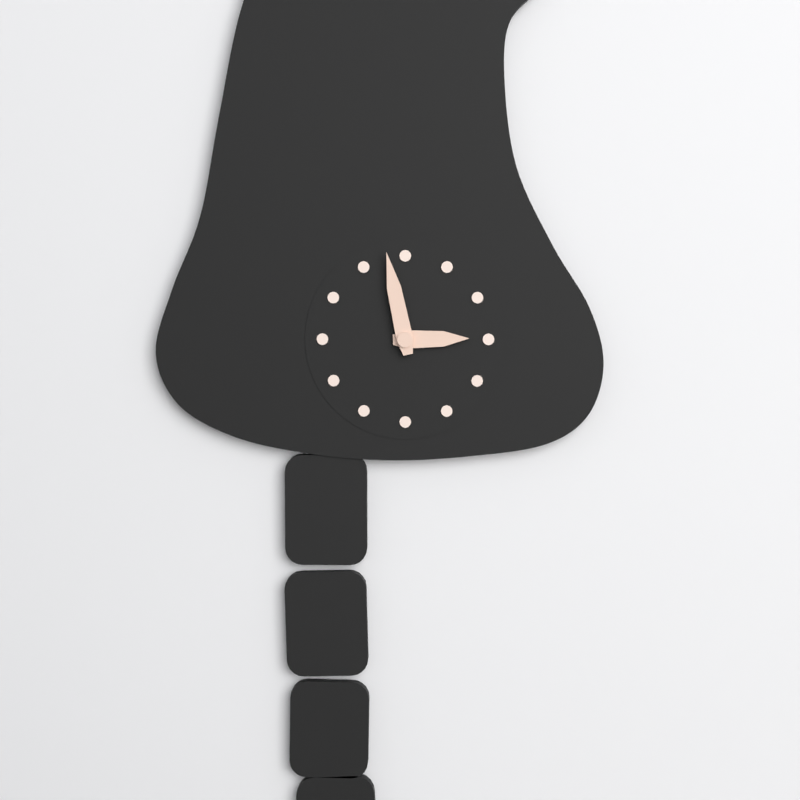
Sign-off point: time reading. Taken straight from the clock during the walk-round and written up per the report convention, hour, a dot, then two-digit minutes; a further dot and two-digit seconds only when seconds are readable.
2.58
